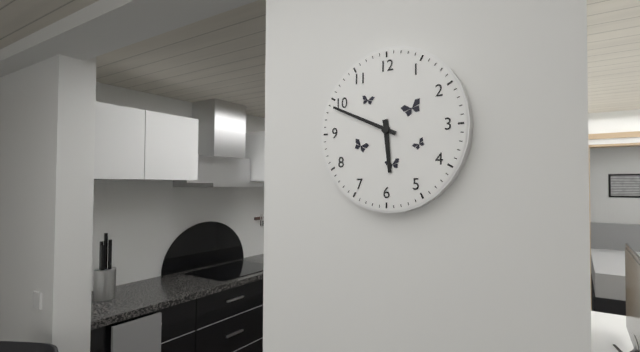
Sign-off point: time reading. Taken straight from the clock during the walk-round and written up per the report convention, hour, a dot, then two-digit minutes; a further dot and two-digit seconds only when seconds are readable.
5.49
